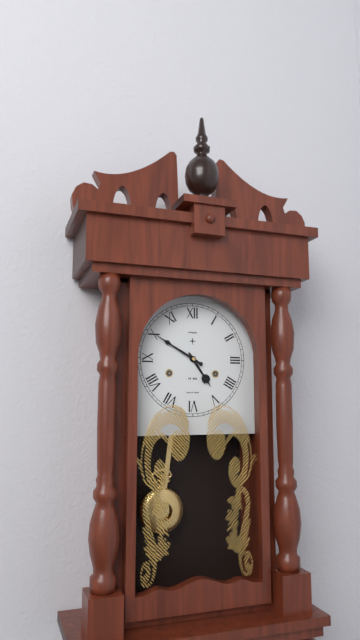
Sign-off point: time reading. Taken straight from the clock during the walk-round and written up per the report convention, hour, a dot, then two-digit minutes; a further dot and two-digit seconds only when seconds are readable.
4.50
